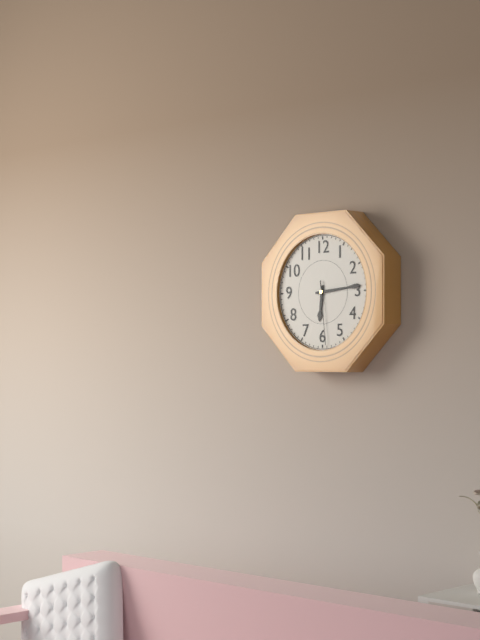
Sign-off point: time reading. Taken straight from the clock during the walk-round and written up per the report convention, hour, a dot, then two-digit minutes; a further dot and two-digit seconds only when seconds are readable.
6.14.29
